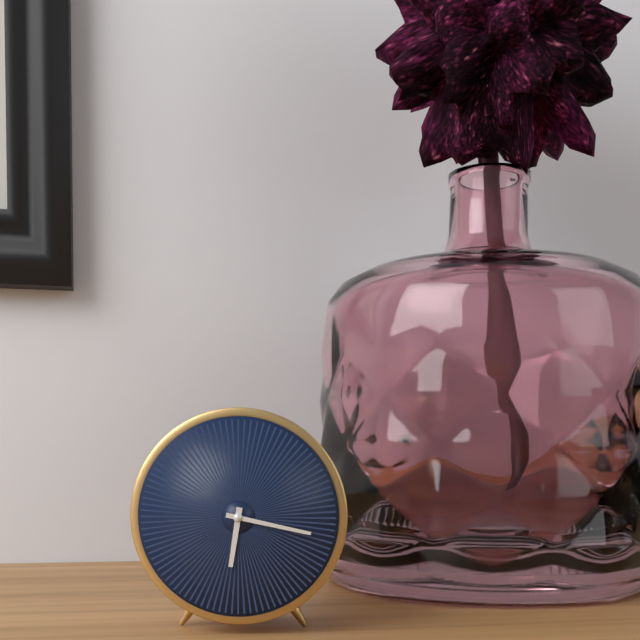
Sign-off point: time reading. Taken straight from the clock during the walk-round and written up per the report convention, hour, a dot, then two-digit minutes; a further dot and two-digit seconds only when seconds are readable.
6.17
